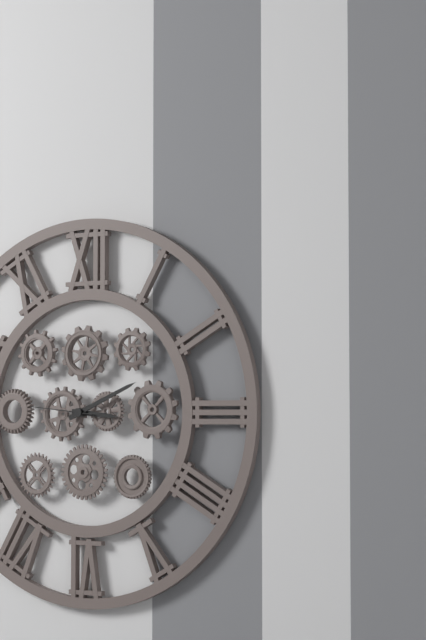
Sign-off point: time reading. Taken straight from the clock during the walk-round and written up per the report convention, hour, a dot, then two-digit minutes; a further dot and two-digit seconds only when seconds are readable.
3.11.46
